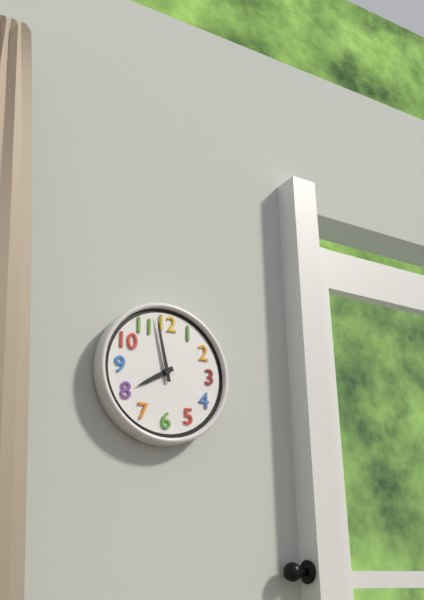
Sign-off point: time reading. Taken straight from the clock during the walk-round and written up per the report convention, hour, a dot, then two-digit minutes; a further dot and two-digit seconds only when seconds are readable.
7.58
